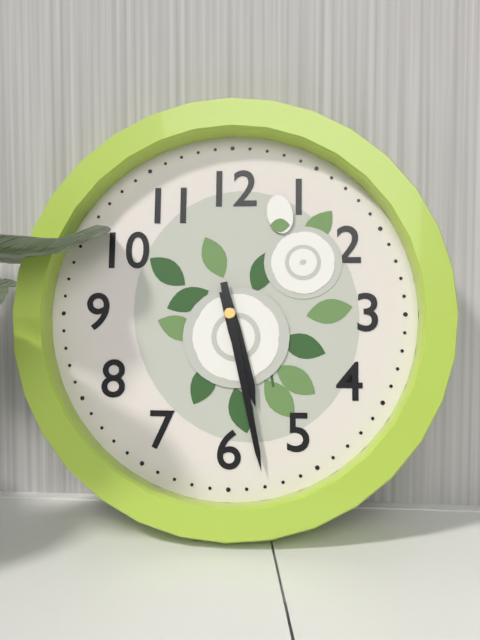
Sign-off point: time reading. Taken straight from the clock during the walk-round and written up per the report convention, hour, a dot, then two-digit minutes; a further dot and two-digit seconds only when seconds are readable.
5.28
